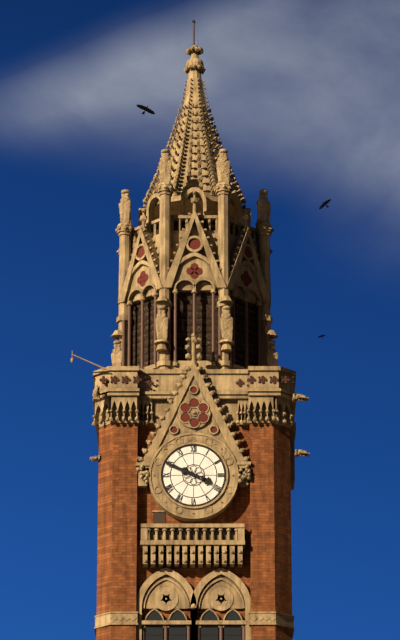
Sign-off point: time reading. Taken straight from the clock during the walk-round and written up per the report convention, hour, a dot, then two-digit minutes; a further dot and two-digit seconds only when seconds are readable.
3.49
